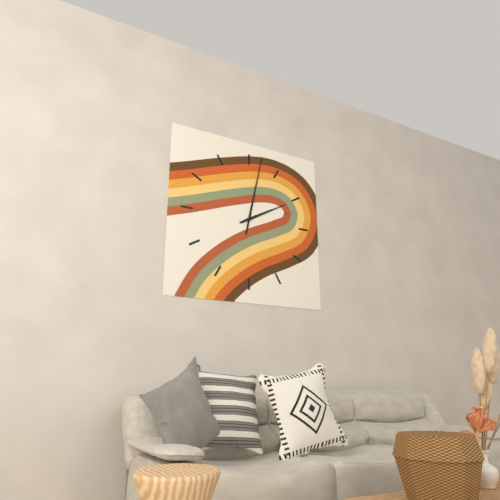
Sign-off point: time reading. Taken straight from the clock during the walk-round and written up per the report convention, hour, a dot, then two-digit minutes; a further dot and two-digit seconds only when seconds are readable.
2.02
